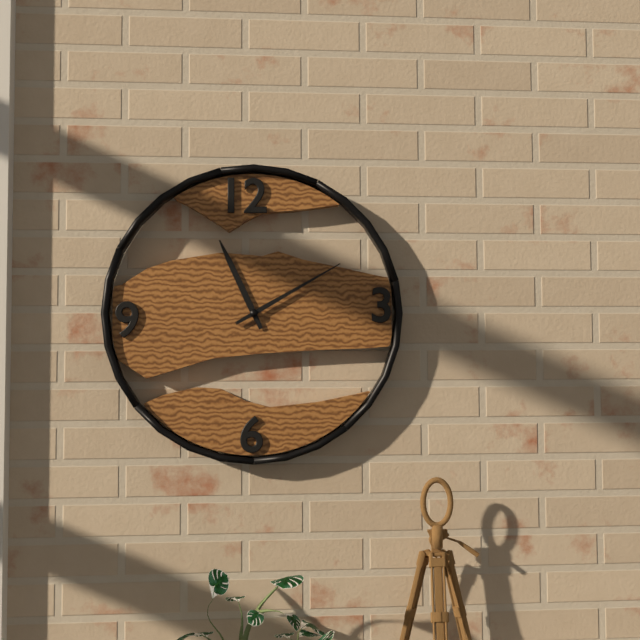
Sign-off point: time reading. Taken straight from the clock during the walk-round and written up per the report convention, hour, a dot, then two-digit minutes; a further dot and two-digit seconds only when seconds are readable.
11.10
